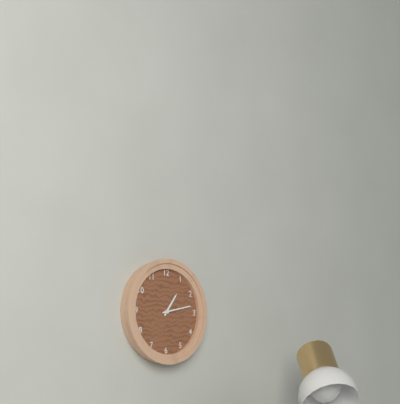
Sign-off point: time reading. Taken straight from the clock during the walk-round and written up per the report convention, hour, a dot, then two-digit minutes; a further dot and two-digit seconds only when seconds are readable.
1.13
